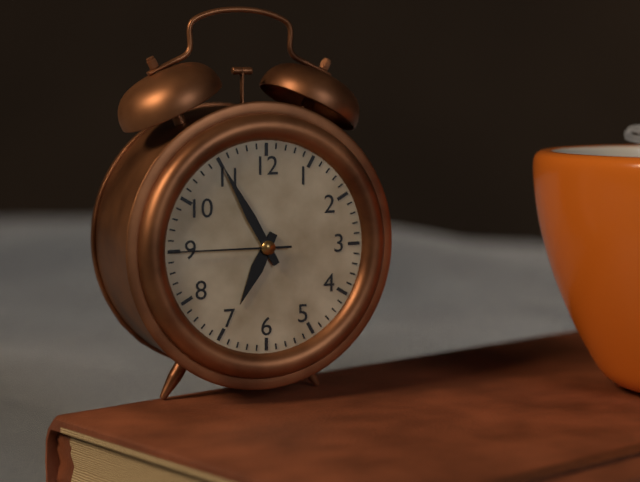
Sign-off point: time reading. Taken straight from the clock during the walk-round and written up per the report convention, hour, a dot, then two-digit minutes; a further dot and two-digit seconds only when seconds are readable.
6.55.45
